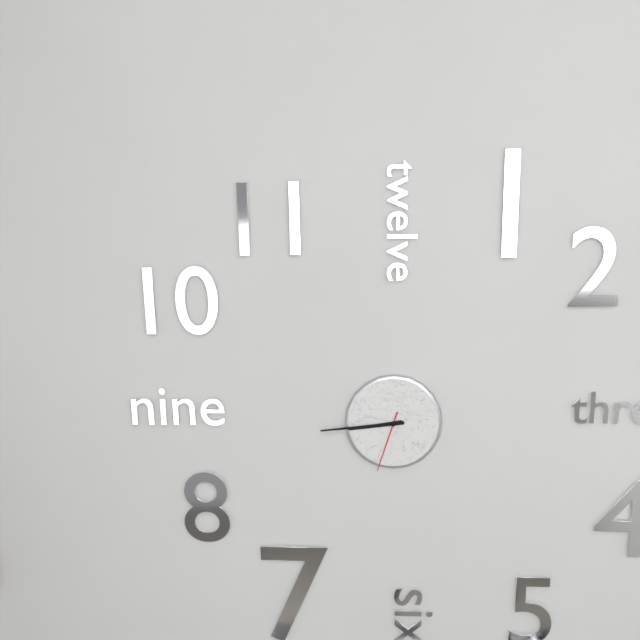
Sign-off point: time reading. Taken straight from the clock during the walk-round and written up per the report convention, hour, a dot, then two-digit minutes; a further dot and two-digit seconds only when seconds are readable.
8.44.33
